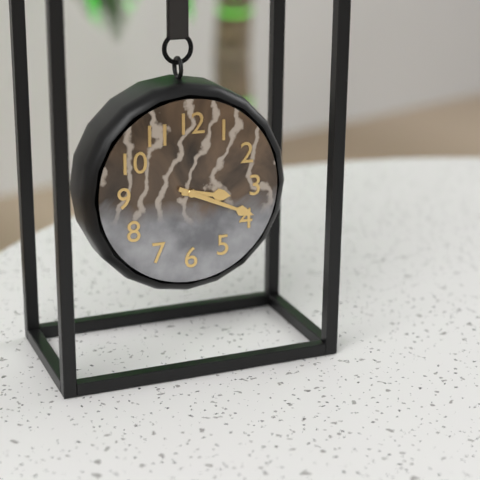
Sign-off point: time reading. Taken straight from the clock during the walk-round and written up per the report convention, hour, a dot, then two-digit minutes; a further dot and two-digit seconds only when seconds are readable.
3.19
